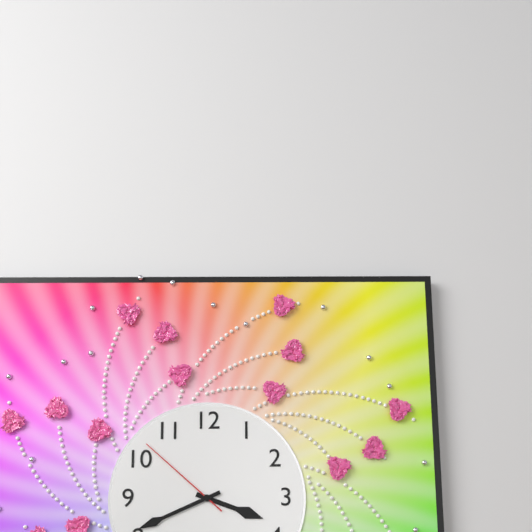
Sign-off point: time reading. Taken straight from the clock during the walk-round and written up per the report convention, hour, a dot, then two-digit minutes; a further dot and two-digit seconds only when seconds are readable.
3.41.52
